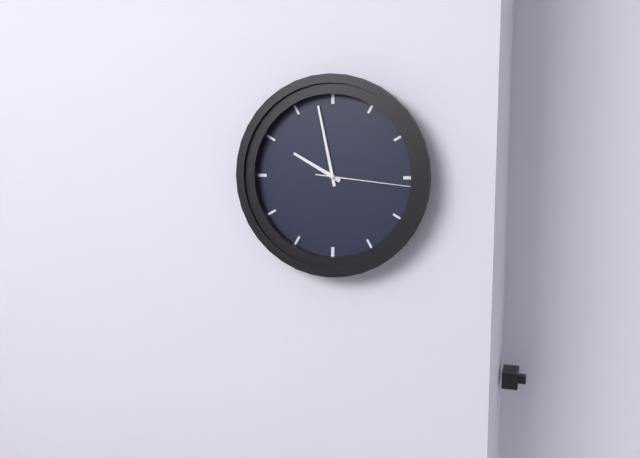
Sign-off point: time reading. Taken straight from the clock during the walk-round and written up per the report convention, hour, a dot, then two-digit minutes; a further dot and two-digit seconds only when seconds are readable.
9.58.16
